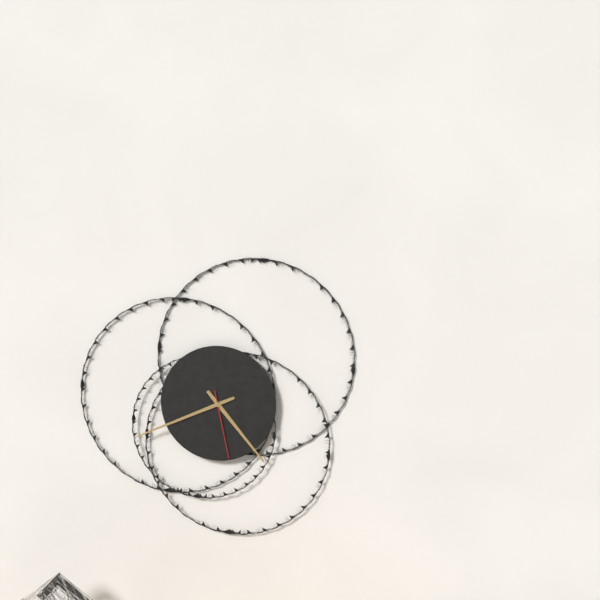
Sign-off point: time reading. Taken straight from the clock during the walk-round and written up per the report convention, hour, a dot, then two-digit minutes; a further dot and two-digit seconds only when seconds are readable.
4.41.28
